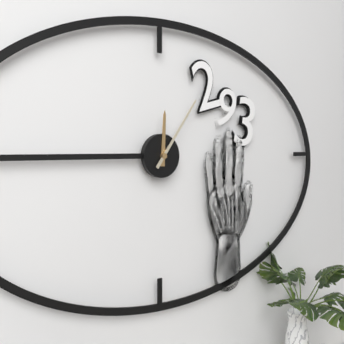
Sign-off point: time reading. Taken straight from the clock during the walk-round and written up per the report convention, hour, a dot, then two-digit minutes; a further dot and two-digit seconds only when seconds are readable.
12.06
